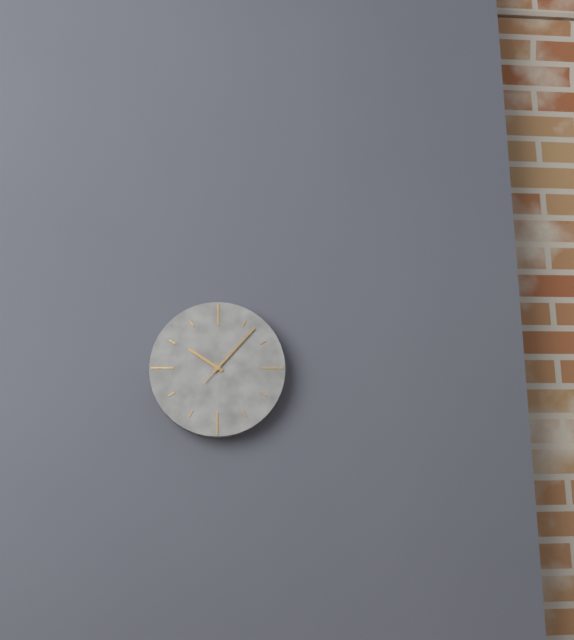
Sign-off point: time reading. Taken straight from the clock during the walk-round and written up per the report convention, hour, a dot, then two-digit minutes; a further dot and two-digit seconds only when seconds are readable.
10.07.07
